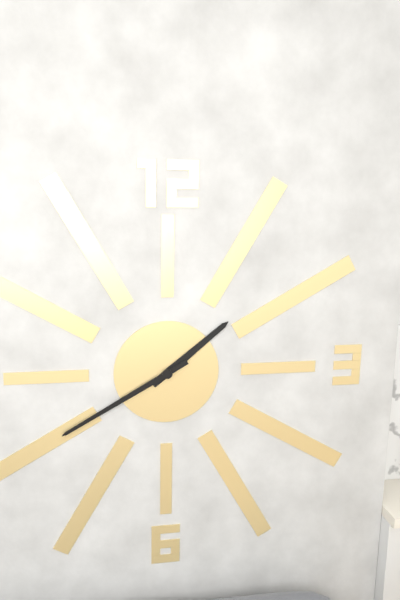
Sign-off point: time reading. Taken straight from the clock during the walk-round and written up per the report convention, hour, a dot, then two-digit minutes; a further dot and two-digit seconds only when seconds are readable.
1.40
